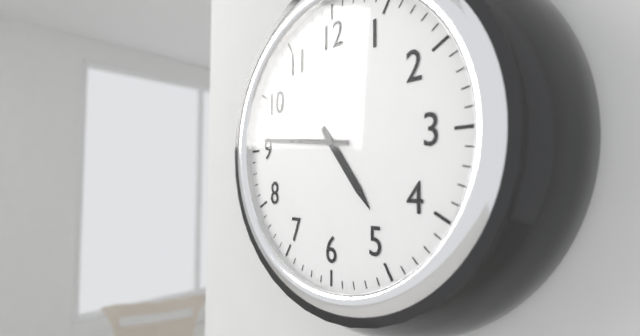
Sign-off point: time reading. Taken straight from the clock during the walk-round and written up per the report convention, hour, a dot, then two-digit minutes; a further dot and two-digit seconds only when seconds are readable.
4.46
